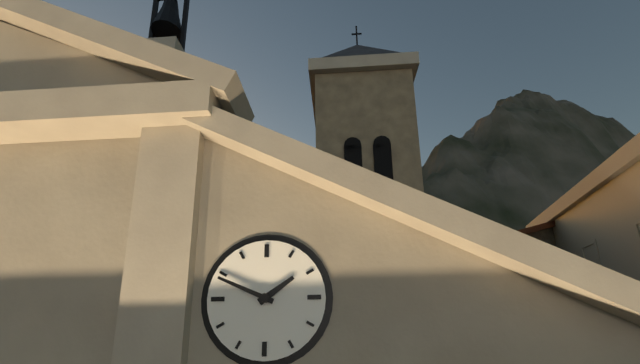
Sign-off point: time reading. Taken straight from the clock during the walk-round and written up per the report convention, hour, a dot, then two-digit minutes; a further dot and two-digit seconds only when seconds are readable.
1.49
